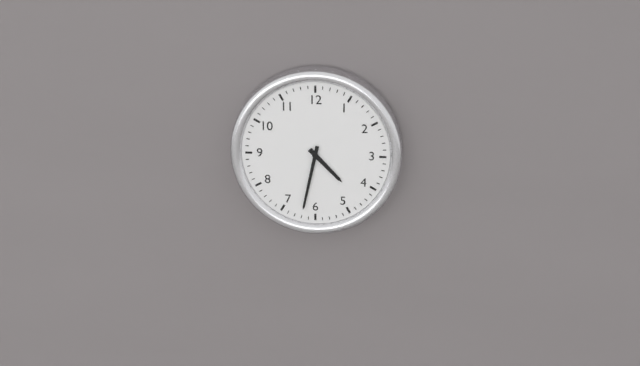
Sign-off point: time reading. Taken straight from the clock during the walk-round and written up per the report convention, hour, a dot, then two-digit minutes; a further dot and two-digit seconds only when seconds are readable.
4.32
